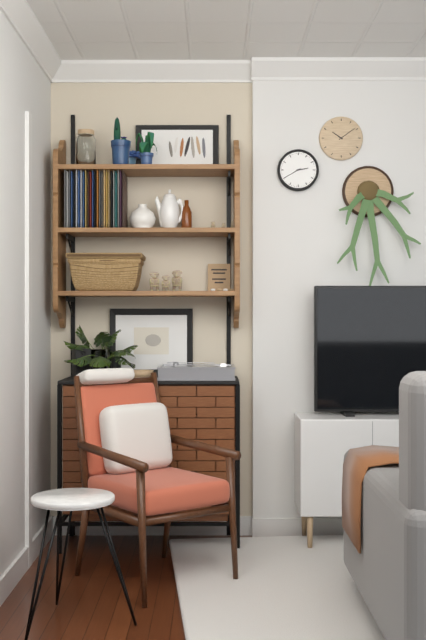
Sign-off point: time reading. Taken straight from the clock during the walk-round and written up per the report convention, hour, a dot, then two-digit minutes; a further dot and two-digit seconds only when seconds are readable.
2.40
